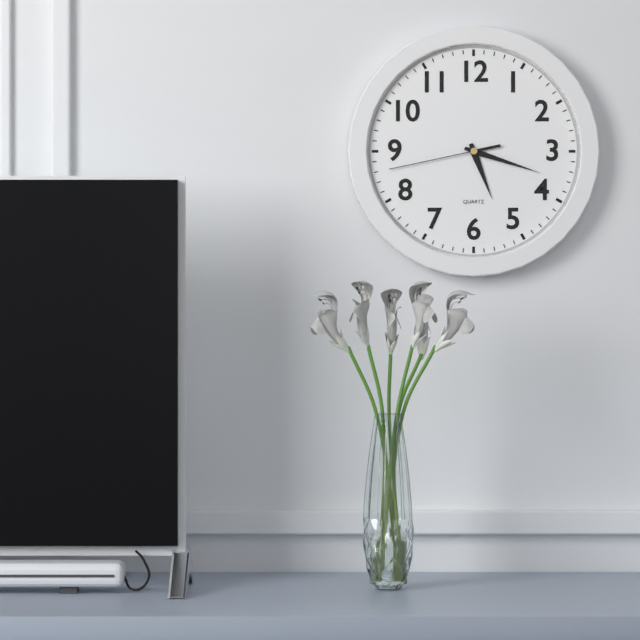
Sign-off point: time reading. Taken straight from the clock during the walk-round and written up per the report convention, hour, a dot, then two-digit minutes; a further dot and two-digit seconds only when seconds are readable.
5.18.43
